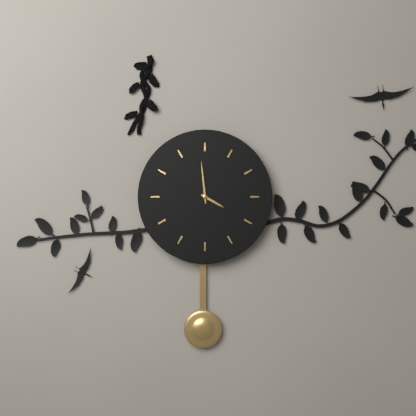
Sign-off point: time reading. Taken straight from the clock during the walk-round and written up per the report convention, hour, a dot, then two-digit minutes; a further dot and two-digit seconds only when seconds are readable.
3.59
